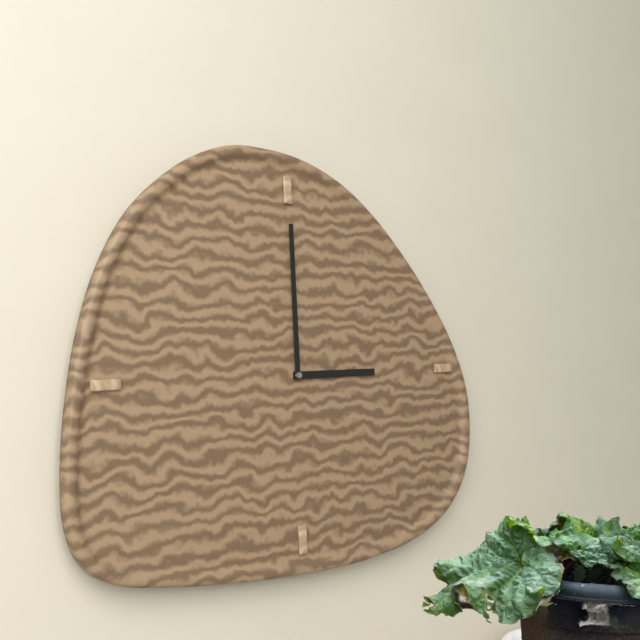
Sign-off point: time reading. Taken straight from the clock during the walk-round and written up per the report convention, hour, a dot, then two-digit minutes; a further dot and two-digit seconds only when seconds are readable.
3.00
